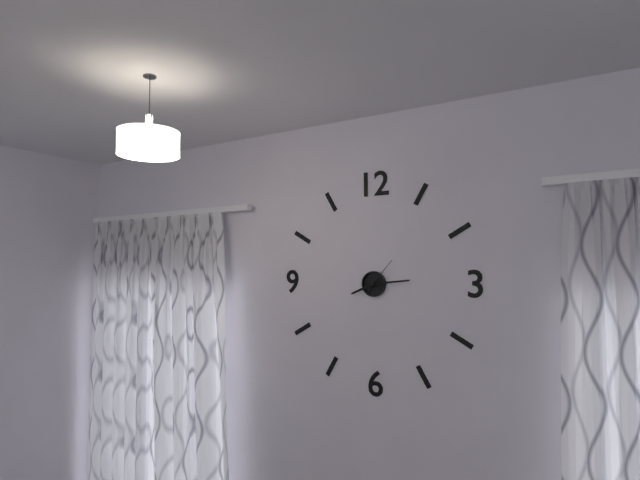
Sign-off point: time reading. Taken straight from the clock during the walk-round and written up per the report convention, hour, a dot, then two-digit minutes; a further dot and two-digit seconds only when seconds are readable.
8.14
